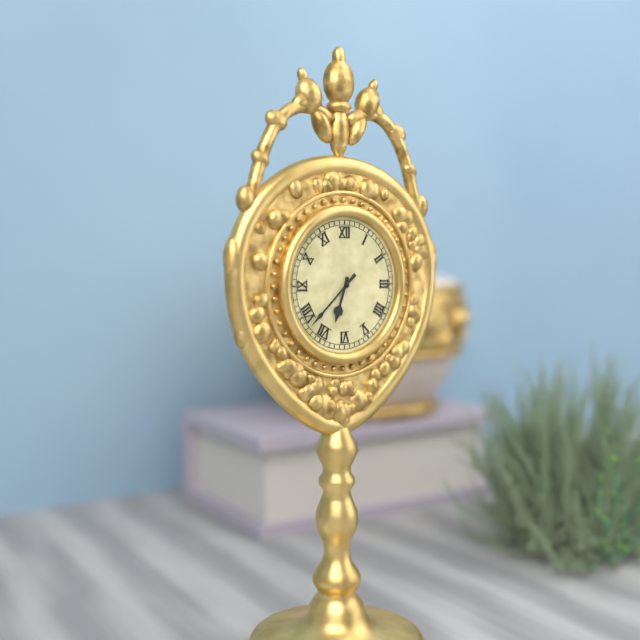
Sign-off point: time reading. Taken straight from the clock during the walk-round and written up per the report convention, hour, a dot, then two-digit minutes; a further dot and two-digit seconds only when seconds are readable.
6.38
